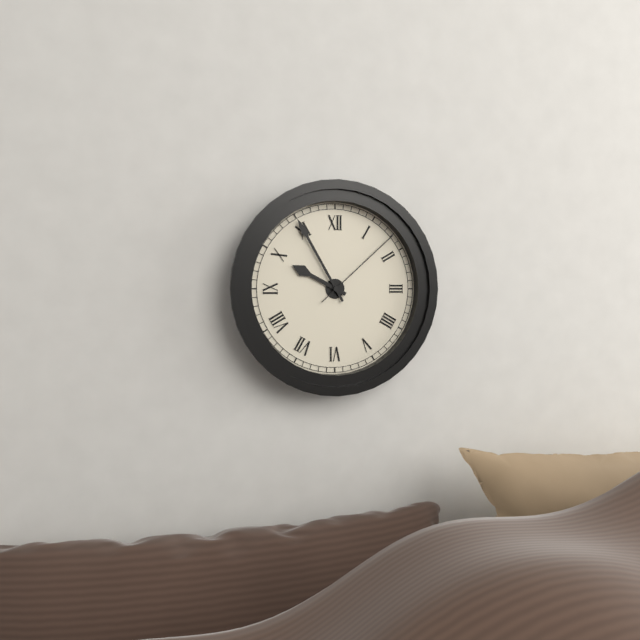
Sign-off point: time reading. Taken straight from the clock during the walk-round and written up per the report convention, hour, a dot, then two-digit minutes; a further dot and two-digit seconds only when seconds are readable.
9.55.08
